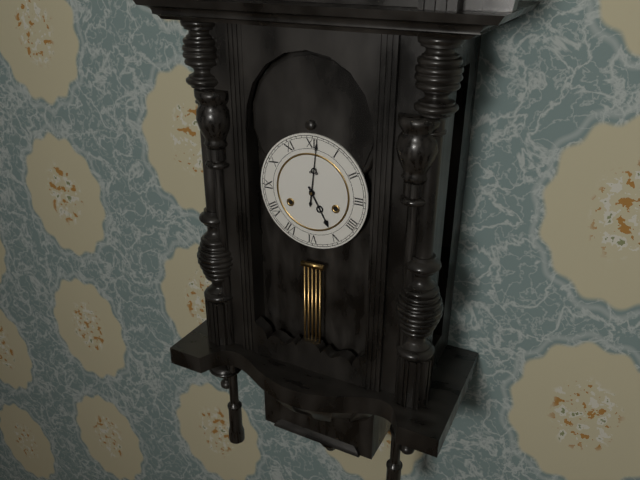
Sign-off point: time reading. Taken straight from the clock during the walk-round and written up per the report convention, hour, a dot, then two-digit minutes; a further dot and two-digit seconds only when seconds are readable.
5.01
